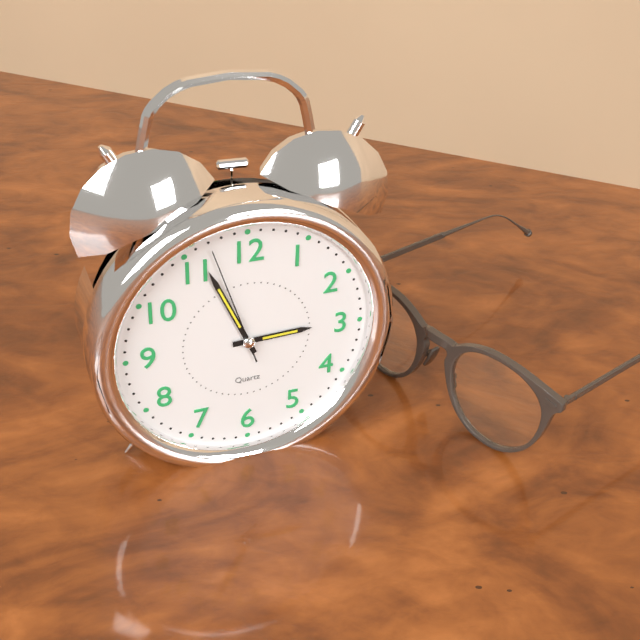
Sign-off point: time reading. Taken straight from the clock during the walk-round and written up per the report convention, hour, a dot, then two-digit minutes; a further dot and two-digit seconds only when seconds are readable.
2.56.57
